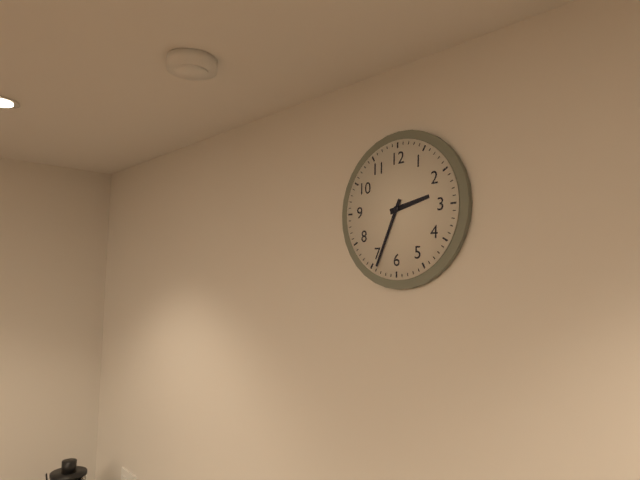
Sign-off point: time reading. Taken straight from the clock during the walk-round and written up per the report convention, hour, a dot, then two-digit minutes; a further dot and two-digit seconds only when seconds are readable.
2.34
